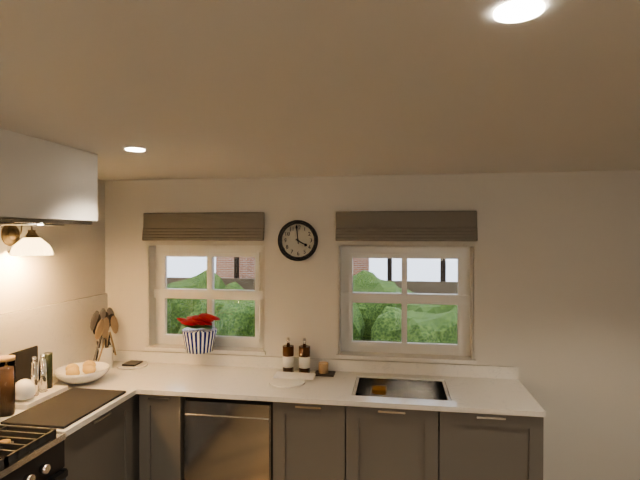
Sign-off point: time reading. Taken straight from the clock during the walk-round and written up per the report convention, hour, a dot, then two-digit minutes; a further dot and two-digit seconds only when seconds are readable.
3.59
